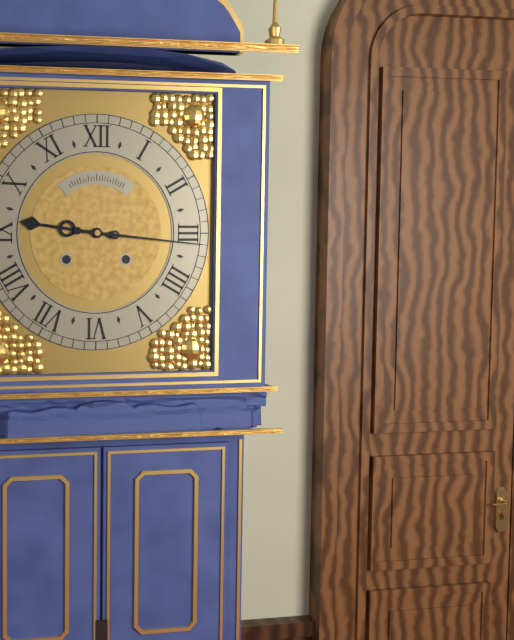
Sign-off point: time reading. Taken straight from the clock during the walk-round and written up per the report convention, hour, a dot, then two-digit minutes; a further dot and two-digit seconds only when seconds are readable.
9.16
